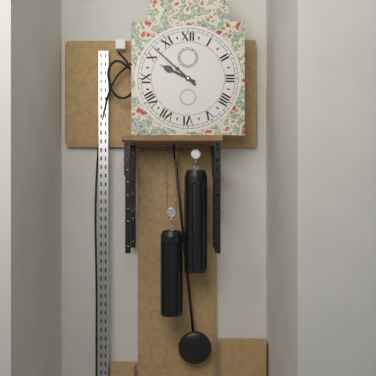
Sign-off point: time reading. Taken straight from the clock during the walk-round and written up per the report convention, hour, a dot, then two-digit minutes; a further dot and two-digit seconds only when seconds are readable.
9.52
